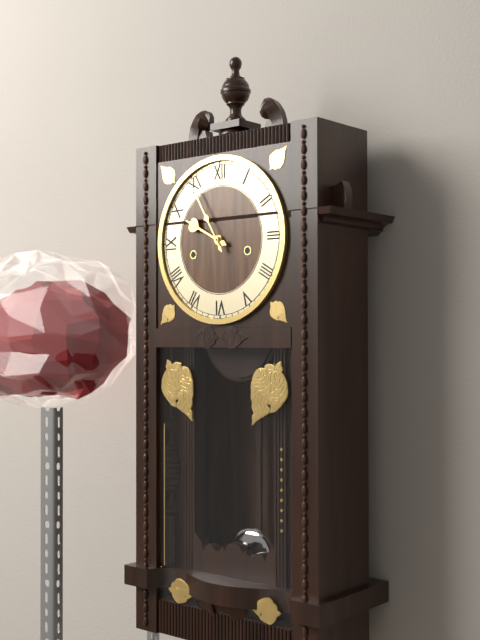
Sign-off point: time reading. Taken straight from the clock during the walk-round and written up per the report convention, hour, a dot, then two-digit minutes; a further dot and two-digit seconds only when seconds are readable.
9.55
